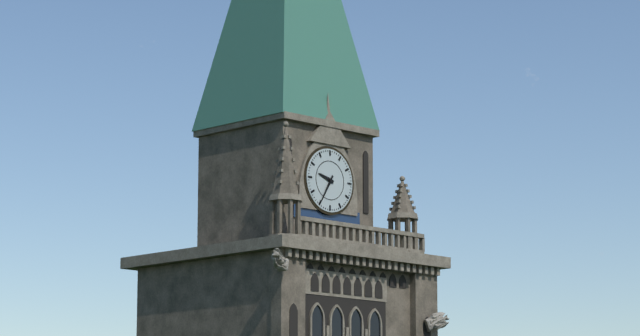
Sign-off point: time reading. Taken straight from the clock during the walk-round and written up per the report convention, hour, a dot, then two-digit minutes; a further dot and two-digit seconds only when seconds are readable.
9.35
